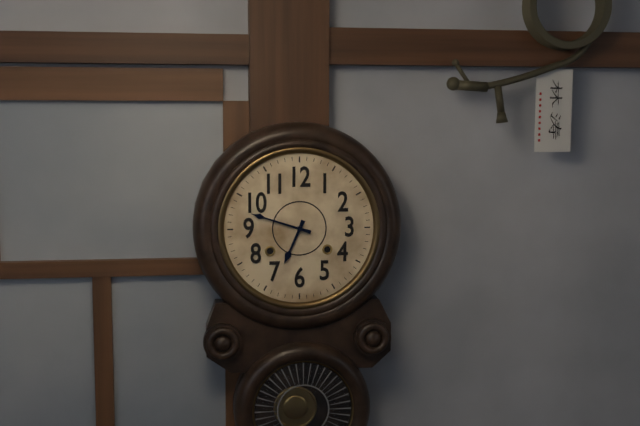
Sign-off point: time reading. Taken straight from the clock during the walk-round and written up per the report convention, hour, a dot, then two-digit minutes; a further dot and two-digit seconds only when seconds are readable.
6.48
